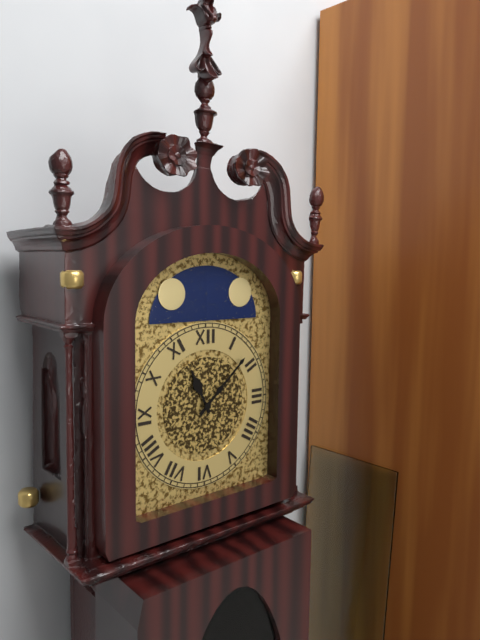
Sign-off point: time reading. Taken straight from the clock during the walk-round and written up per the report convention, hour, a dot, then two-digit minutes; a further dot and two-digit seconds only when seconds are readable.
11.08
